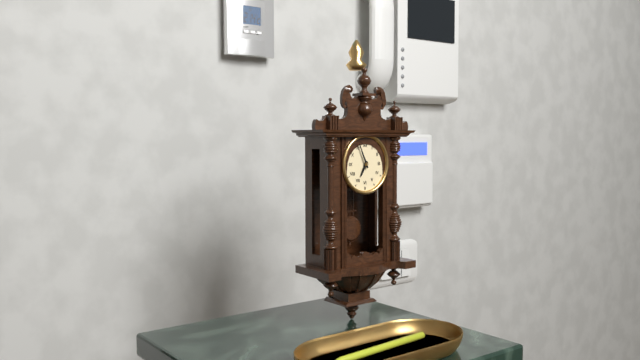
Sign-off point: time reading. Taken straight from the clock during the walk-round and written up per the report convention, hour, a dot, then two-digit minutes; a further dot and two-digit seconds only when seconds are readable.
6.56
